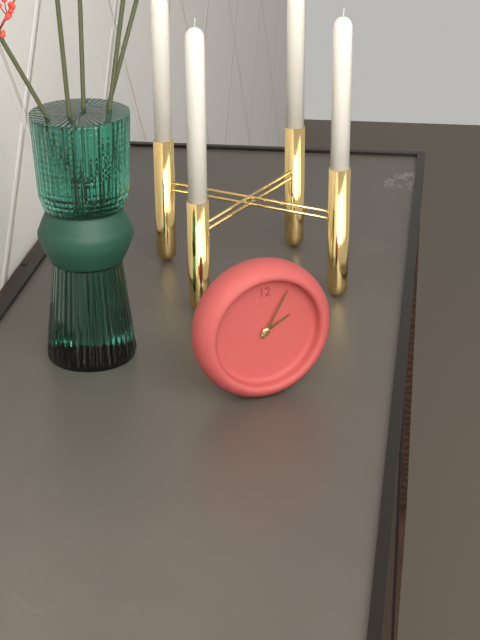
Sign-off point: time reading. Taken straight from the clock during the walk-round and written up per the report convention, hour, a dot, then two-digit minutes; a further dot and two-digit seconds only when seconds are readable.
2.05
